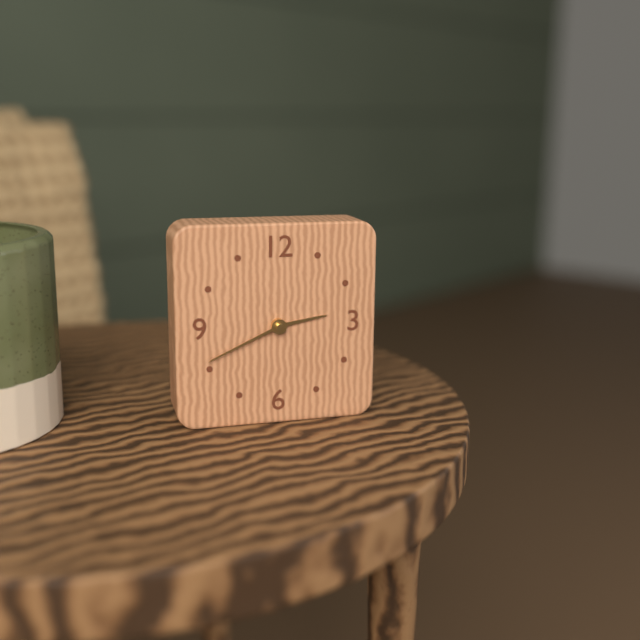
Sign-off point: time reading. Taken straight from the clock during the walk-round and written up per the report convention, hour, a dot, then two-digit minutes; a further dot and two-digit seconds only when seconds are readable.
2.41
